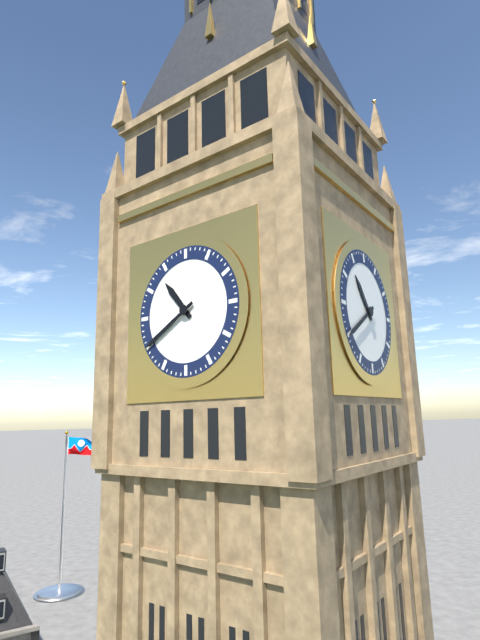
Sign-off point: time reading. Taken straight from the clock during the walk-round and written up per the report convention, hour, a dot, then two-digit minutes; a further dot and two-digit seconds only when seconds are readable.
10.40
